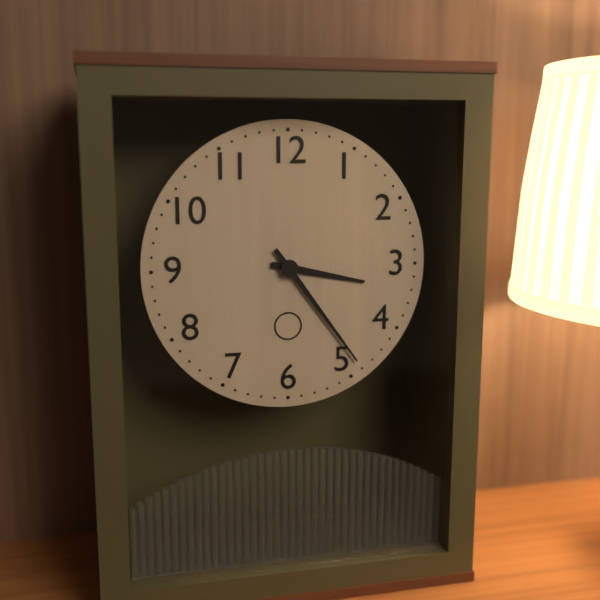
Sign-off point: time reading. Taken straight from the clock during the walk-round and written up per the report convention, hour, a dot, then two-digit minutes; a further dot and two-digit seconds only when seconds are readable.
3.24
